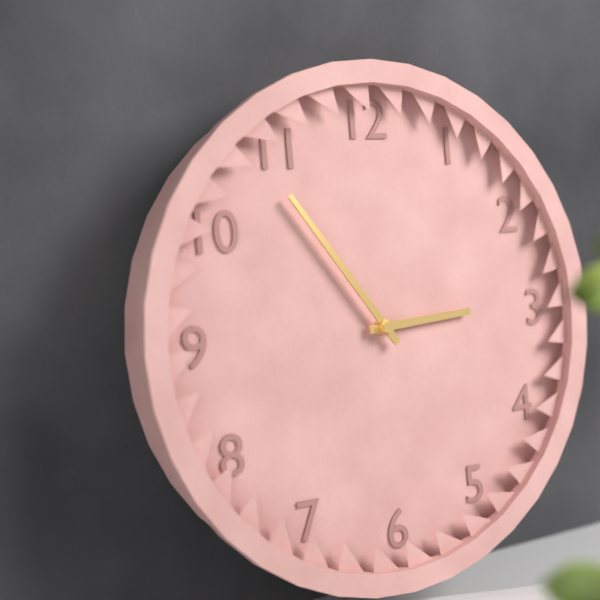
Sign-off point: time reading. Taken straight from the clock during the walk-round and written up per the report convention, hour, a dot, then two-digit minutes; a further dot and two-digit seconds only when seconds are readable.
2.54
